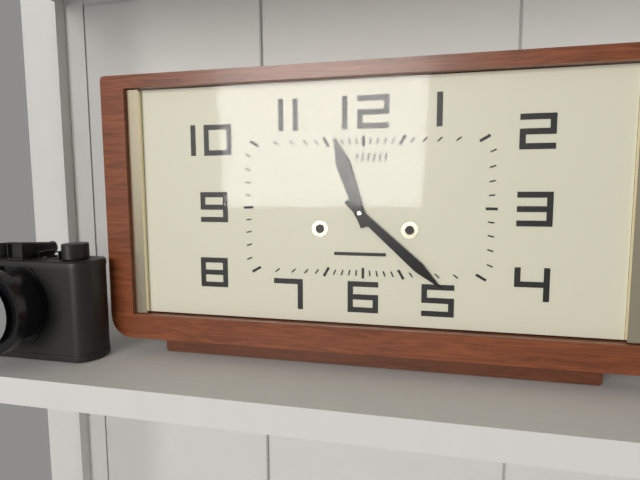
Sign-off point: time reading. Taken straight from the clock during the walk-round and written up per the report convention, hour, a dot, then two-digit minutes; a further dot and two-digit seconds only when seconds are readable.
11.22
